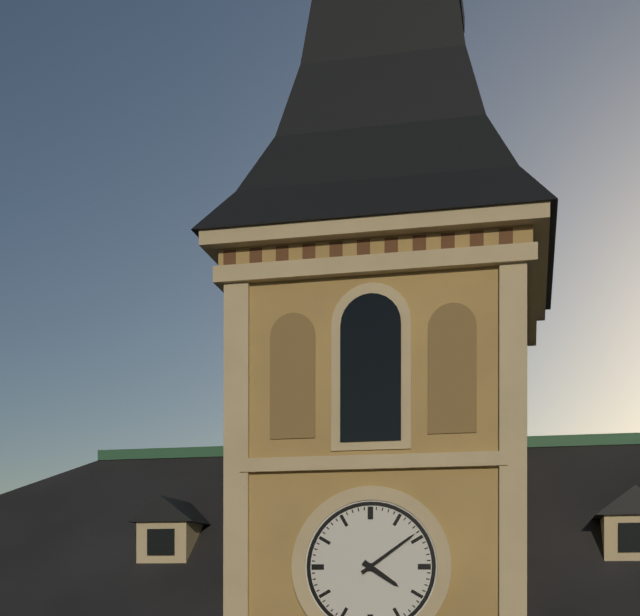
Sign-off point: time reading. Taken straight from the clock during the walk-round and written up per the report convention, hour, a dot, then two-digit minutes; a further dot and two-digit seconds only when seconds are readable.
4.09
